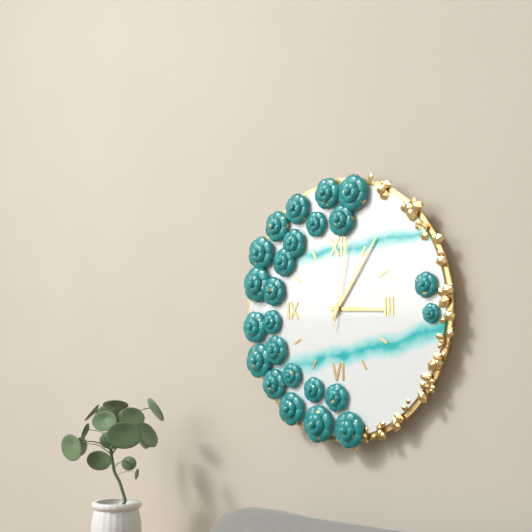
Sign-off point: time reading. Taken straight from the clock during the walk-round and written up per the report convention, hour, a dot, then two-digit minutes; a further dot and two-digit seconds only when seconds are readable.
3.06.02
